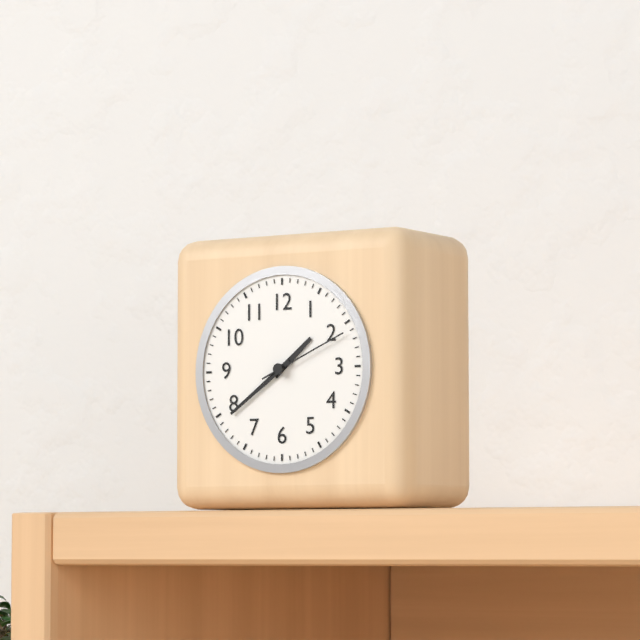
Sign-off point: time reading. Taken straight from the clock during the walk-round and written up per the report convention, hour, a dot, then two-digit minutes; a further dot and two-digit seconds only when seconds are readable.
1.39.11
